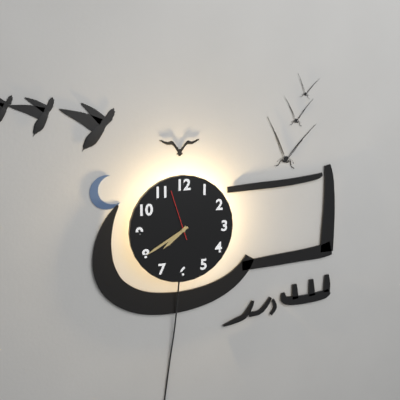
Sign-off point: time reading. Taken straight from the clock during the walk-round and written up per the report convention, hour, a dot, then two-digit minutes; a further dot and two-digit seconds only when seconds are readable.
7.40
